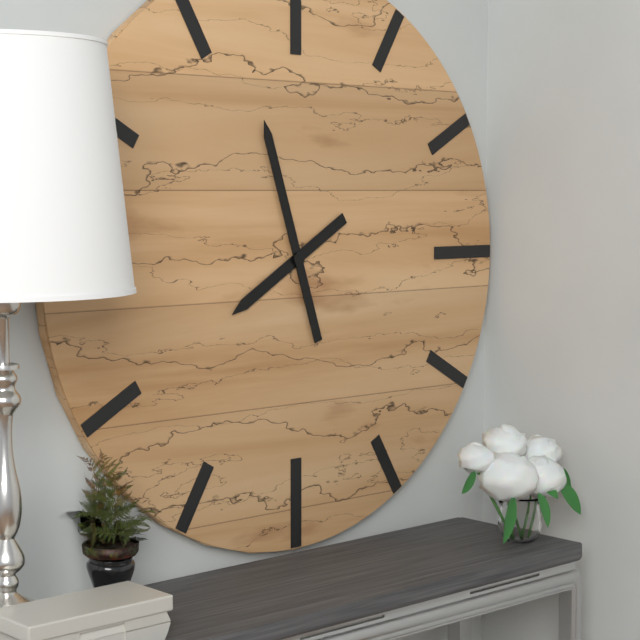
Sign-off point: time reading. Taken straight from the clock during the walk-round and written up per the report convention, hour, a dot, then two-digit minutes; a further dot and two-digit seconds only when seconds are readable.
7.57
